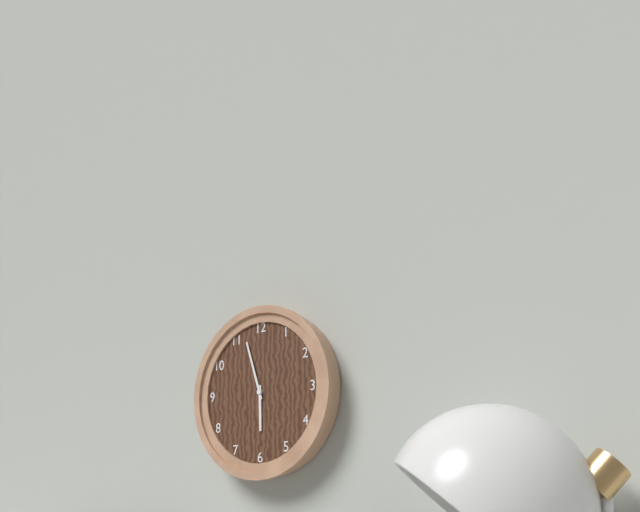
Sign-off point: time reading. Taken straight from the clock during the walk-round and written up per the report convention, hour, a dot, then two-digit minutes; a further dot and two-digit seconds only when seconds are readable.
5.57
